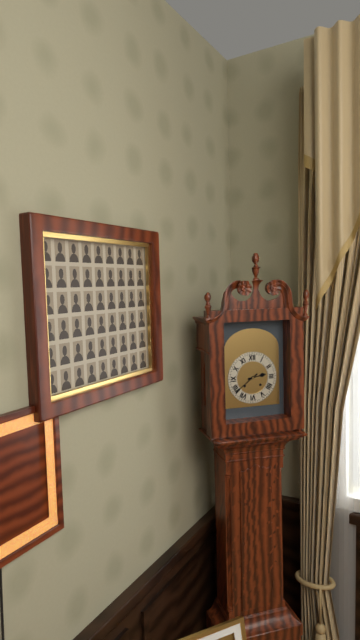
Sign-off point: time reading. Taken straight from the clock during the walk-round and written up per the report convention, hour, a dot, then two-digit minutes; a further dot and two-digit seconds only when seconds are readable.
2.39
